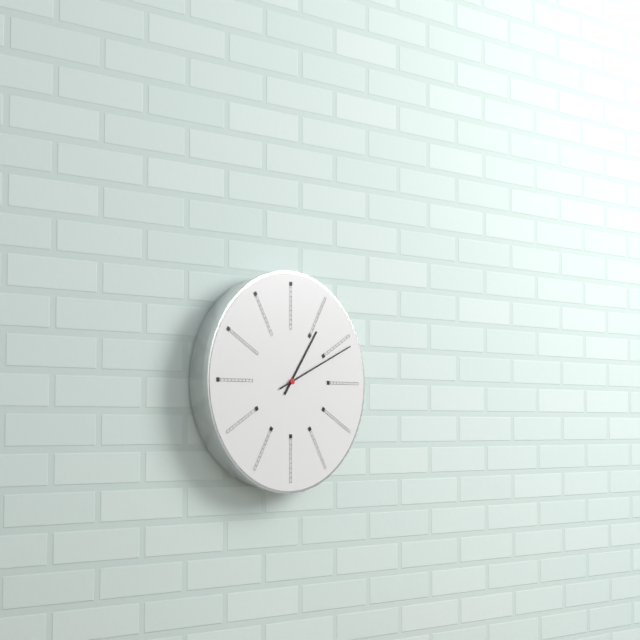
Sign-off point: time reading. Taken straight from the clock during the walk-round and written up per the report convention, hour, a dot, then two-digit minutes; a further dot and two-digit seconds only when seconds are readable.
1.11
